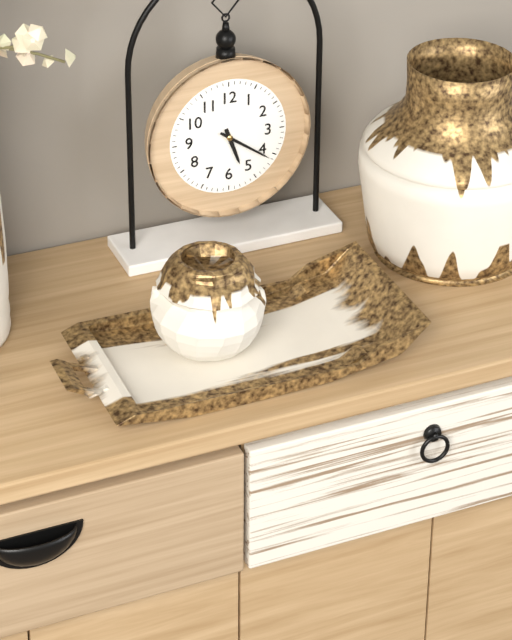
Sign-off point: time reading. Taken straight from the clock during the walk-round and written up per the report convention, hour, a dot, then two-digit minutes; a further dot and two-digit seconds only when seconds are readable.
5.21
